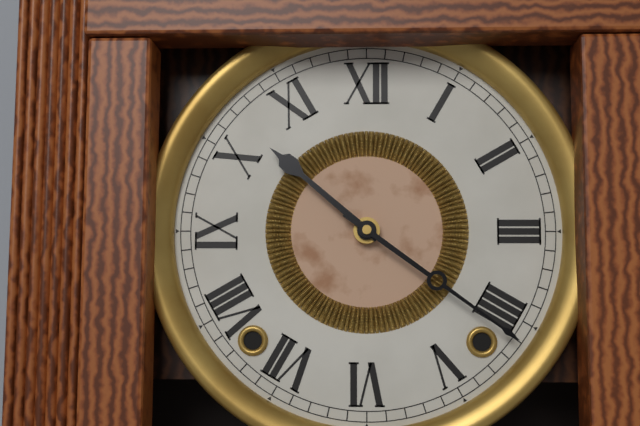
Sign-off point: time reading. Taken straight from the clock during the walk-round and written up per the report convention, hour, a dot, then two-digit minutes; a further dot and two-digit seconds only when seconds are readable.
10.21
